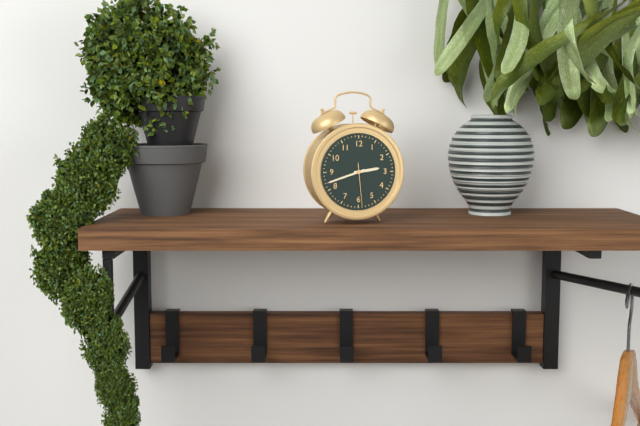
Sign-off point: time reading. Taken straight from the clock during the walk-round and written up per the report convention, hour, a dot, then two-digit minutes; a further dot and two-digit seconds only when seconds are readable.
2.42
